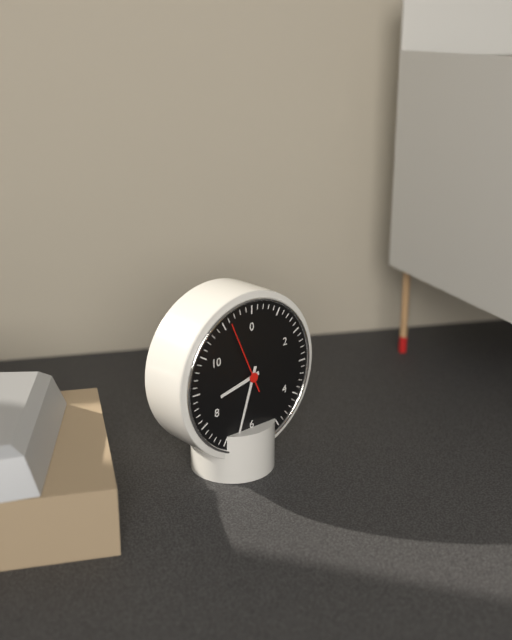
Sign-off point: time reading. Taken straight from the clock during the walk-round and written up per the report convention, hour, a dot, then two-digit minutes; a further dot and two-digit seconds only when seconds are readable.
8.33.56
